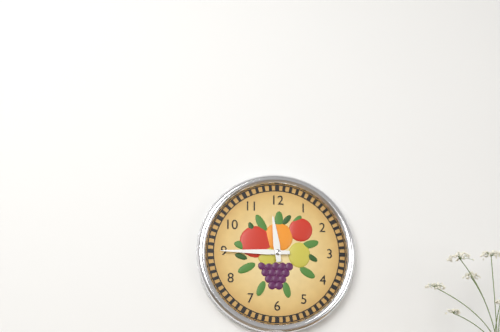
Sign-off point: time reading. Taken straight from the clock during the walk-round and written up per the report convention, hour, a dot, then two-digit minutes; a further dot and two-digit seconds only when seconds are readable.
11.45
